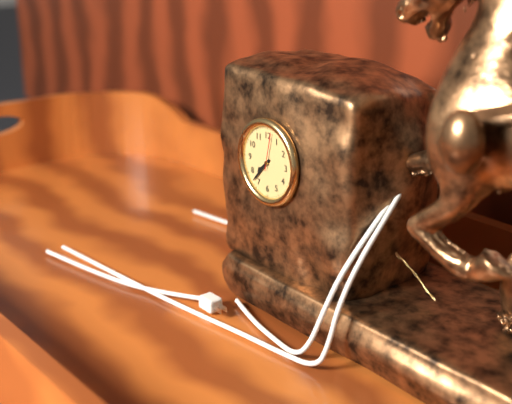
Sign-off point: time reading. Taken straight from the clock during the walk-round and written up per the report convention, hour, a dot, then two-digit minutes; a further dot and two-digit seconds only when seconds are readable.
7.37
